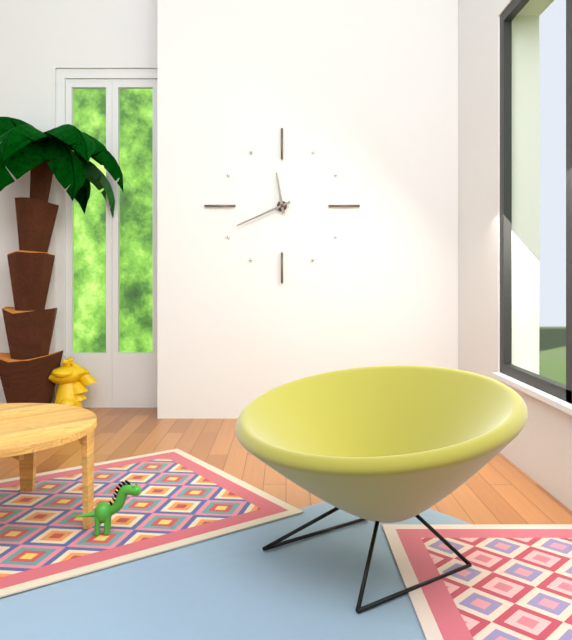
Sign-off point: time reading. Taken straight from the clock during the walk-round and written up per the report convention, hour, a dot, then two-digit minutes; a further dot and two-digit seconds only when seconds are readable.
11.41
